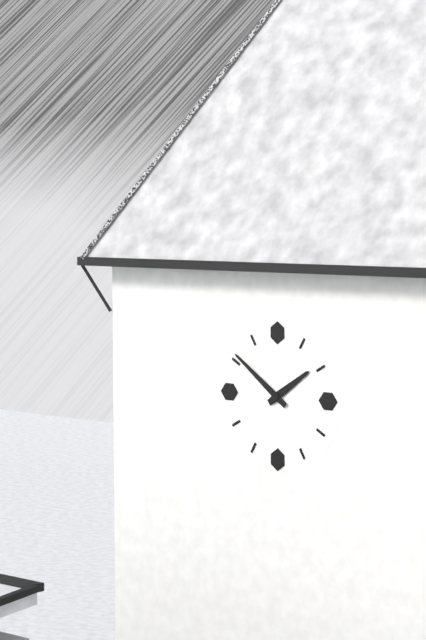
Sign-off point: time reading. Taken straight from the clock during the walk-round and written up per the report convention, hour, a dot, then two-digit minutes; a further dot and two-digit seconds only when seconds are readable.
1.51
